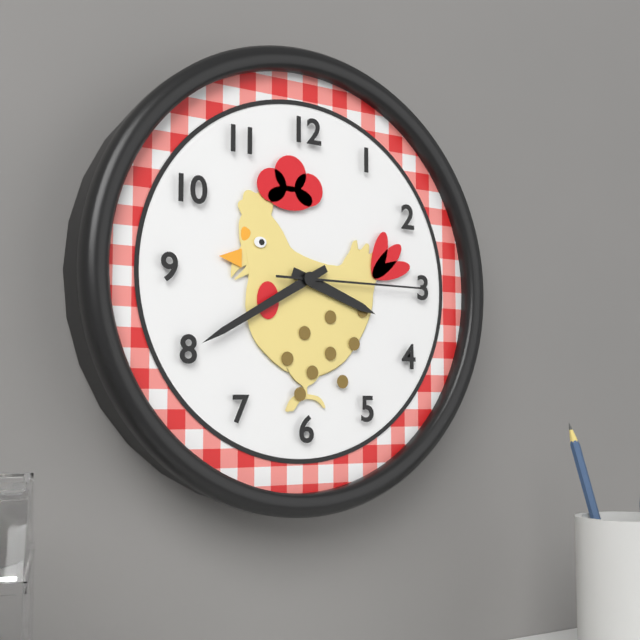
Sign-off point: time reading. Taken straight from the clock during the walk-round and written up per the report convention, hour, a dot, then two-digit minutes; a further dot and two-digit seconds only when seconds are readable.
3.40.15
